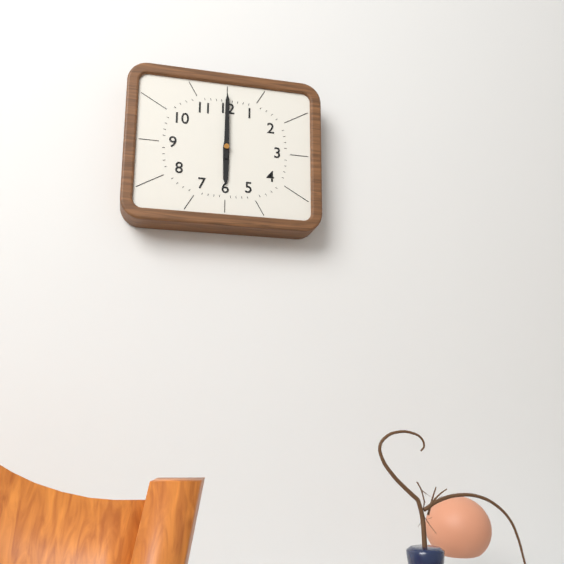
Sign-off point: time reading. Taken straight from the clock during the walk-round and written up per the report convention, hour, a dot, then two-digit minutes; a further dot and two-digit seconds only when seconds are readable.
6.00
